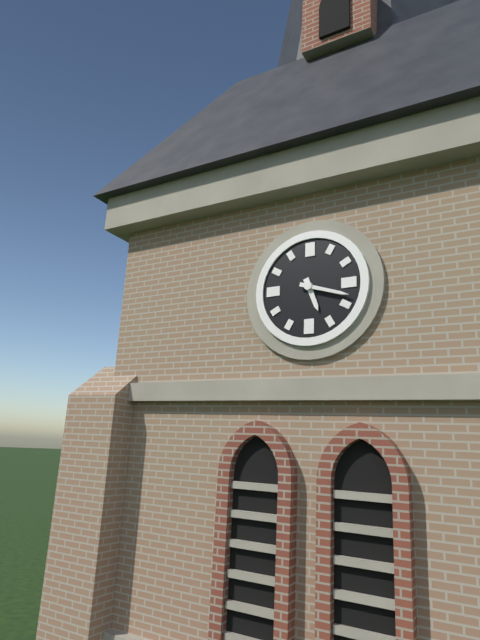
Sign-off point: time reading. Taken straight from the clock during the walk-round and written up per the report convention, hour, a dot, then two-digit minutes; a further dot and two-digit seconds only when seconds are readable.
5.18
